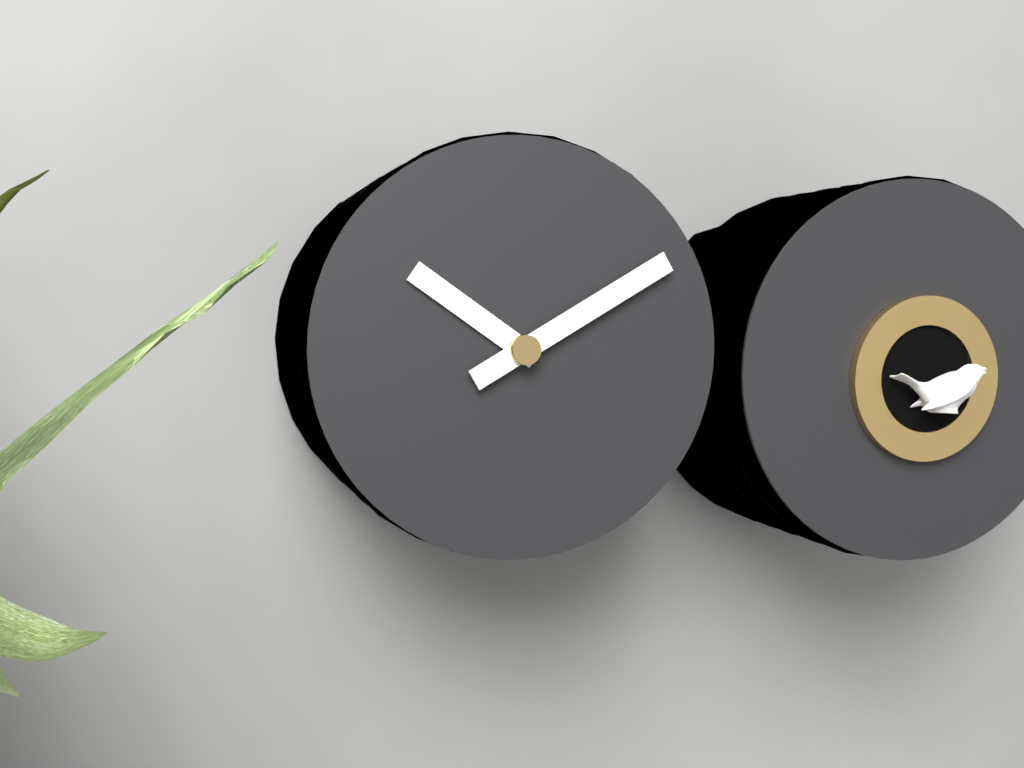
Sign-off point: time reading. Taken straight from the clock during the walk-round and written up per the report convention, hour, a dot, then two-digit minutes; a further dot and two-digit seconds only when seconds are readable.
10.10
